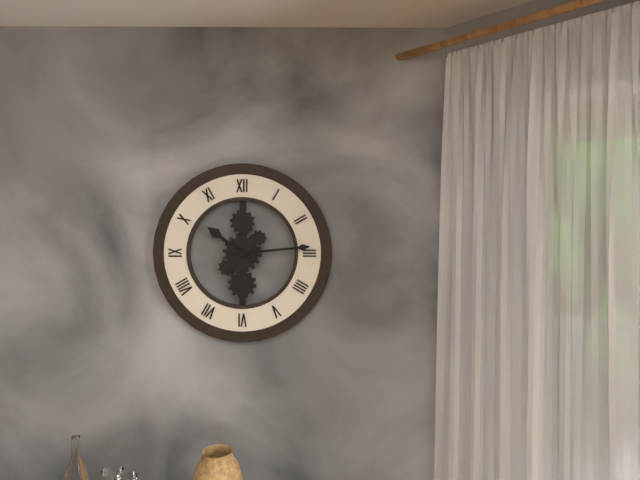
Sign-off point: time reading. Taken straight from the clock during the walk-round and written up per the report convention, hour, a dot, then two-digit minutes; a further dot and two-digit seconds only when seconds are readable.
10.14
